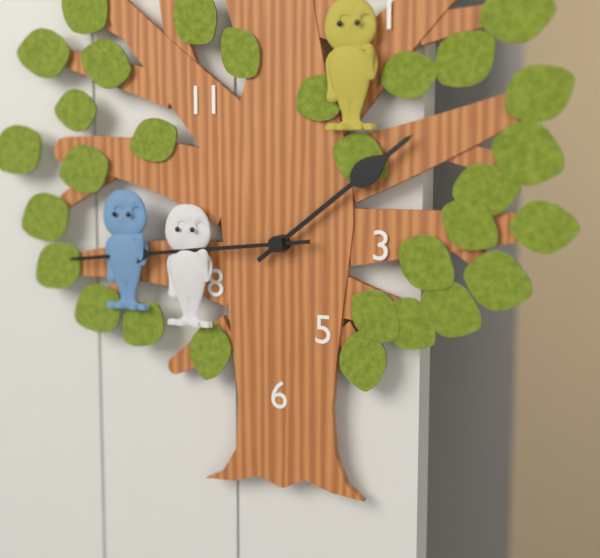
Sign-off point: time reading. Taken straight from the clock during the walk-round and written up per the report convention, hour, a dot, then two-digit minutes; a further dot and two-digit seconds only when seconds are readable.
1.44
